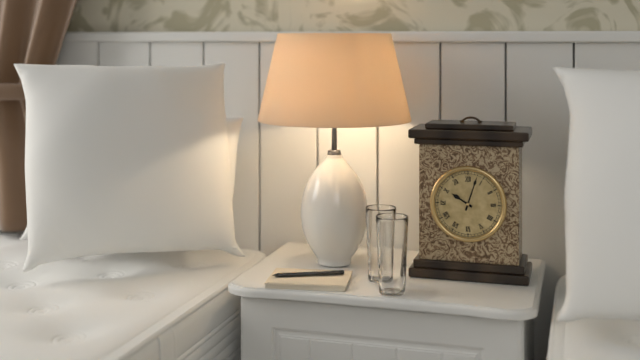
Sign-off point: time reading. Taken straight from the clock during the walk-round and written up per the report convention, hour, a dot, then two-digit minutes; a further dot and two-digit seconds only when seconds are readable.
10.03
